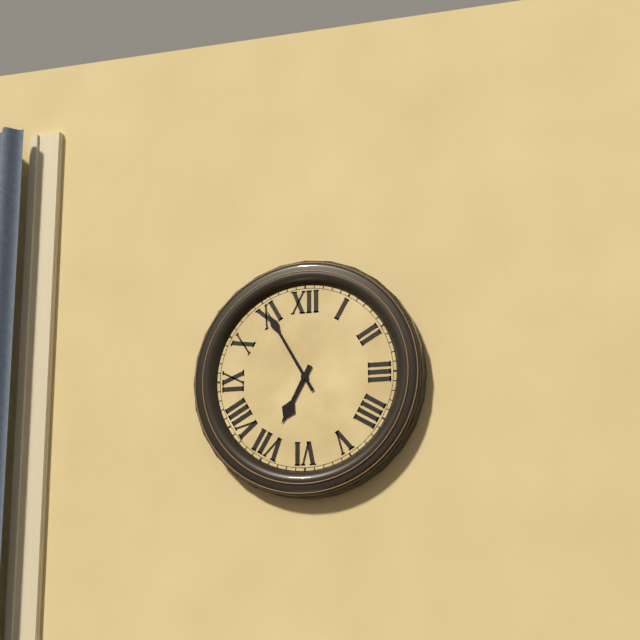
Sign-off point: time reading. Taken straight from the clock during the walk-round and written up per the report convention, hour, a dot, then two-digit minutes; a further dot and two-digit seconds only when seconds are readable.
6.55
